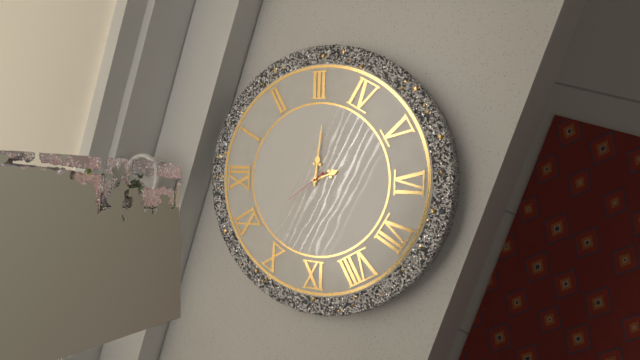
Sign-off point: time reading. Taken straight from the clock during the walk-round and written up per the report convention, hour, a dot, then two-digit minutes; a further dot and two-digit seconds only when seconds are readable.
5.16
